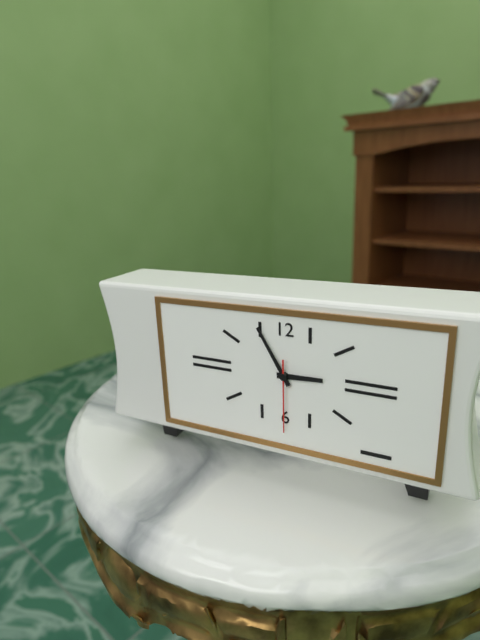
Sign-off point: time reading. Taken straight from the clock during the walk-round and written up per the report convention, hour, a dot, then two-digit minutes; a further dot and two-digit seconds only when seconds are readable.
2.55.30
